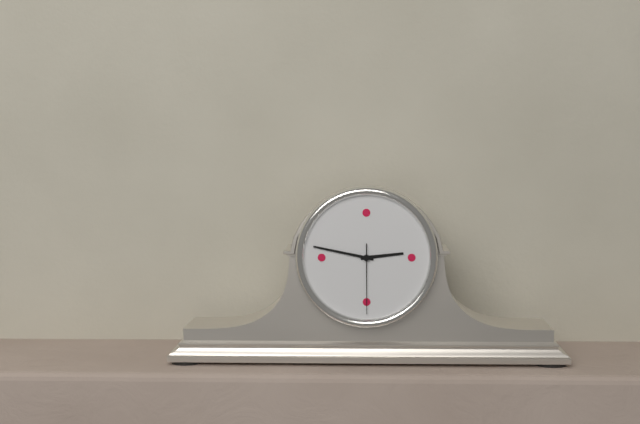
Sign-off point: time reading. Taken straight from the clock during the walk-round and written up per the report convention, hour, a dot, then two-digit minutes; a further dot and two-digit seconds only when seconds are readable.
2.47.30
